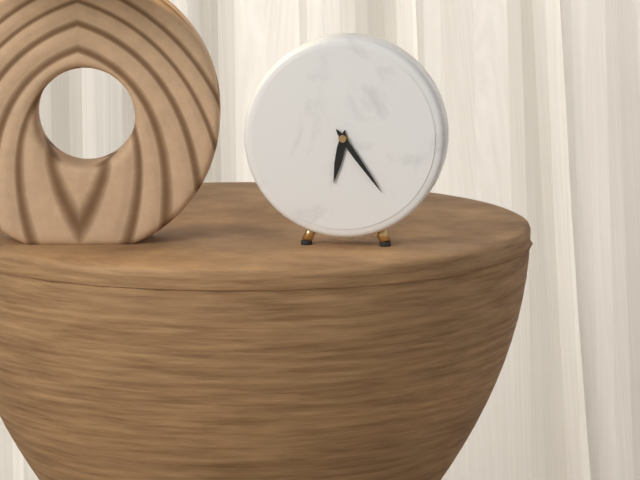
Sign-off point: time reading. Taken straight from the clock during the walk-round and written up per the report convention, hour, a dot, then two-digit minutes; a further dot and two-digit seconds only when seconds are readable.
6.24
